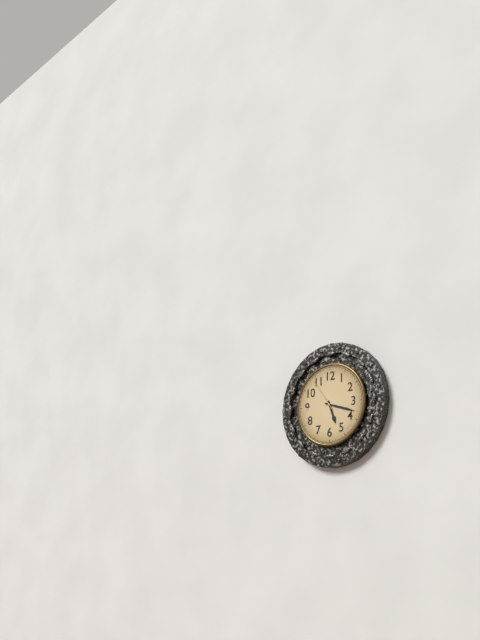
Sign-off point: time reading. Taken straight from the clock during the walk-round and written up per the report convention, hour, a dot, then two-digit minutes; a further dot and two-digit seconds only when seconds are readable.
5.18
